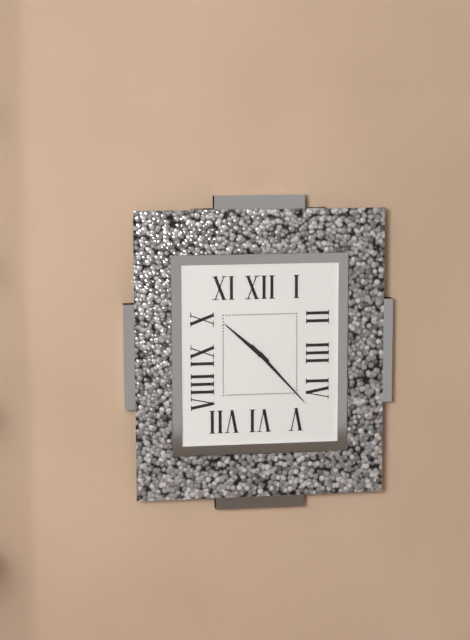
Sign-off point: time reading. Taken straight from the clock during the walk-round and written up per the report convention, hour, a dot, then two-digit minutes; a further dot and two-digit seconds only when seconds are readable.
10.23
